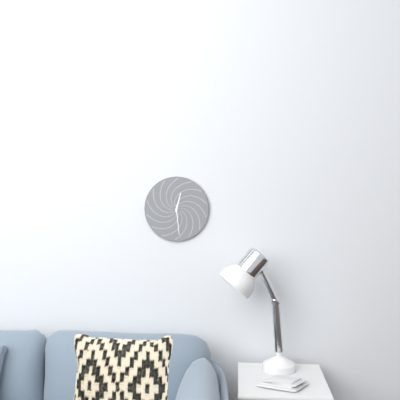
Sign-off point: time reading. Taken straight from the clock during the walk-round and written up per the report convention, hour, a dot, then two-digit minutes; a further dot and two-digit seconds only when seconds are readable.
12.29
